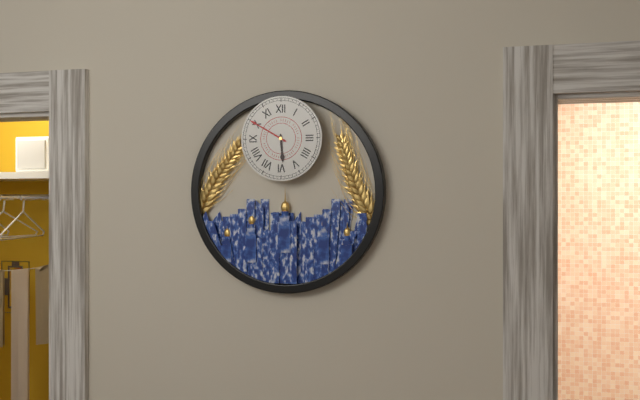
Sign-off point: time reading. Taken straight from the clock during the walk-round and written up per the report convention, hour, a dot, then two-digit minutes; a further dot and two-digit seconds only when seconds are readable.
5.50
